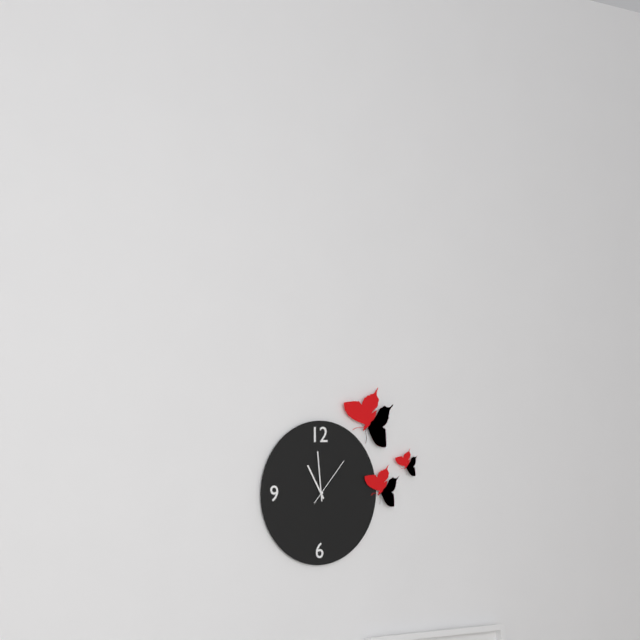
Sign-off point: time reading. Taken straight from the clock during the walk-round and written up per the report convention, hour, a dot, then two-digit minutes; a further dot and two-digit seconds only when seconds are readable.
10.59
